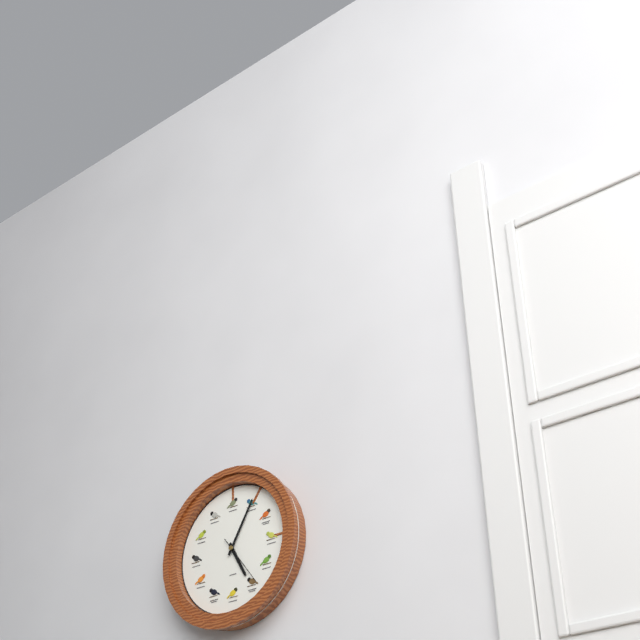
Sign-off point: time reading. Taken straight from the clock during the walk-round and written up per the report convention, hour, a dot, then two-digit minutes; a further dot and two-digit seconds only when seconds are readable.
5.05.24
